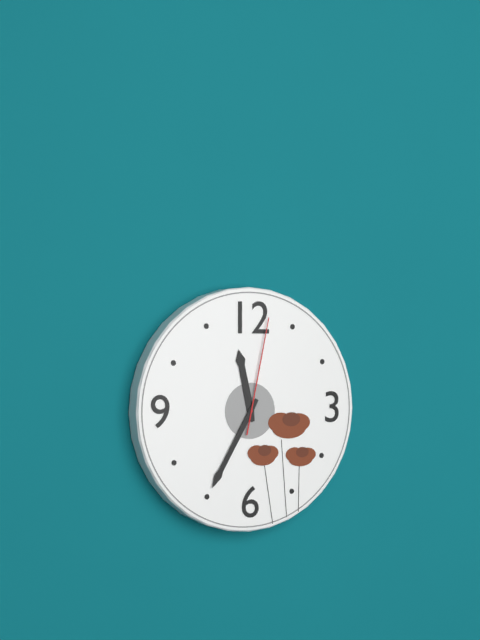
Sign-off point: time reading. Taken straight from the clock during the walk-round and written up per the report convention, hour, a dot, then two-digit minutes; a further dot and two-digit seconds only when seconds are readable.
11.35.02
